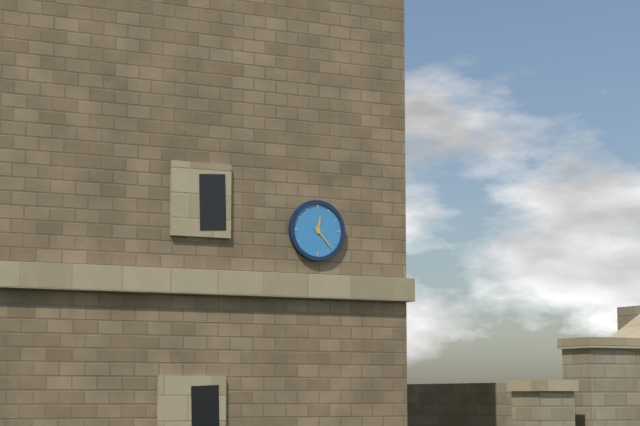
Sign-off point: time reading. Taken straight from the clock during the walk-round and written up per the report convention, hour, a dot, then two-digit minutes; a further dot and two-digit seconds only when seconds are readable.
12.23
